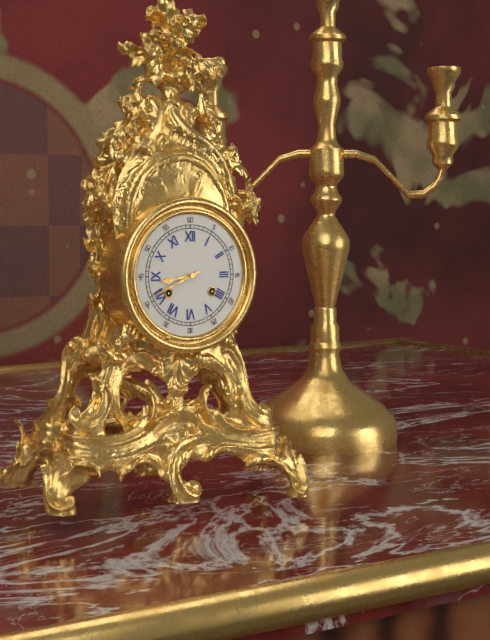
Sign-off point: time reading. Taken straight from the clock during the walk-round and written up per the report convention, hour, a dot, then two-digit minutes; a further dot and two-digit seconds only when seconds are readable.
8.41
